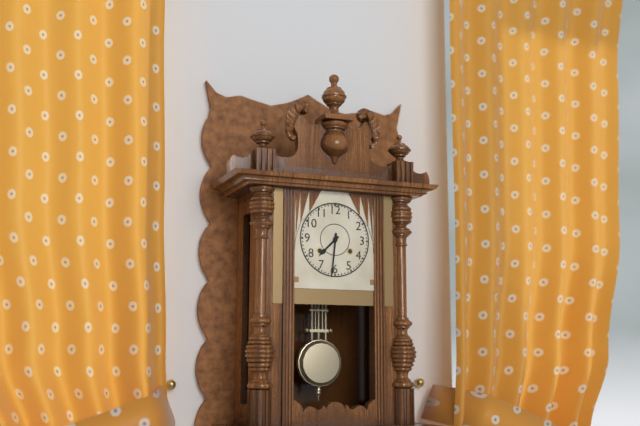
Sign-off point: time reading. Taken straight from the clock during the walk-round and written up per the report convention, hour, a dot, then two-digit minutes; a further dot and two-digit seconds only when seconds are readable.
7.31
